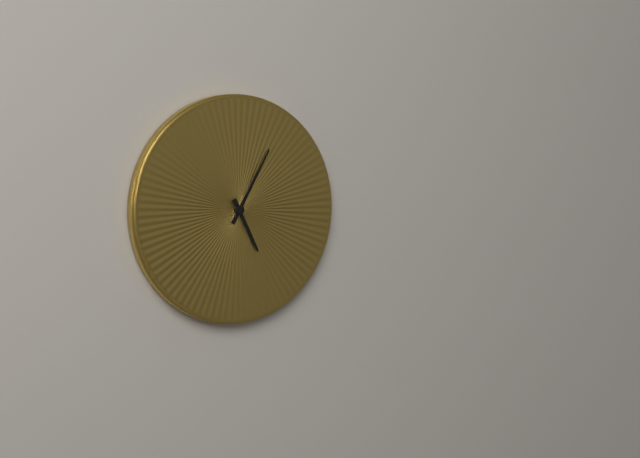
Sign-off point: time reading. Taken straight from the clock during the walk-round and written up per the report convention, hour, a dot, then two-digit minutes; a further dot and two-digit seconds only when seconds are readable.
5.05
